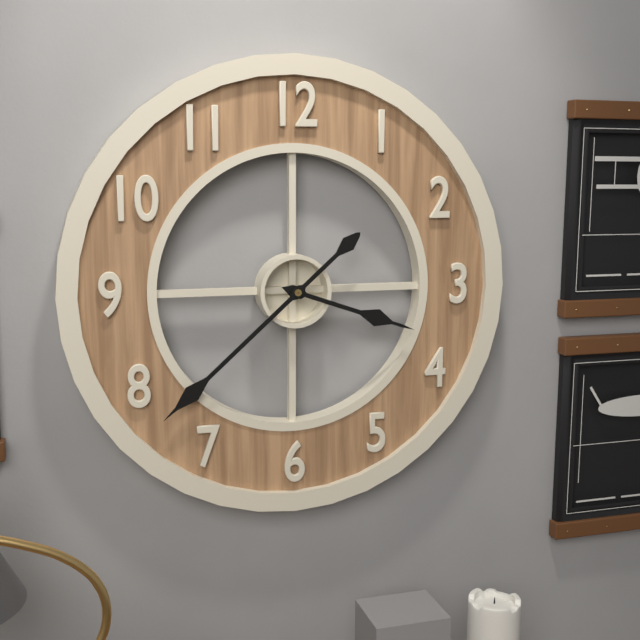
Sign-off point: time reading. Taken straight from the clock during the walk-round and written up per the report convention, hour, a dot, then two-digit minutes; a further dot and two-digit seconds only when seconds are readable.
3.38
